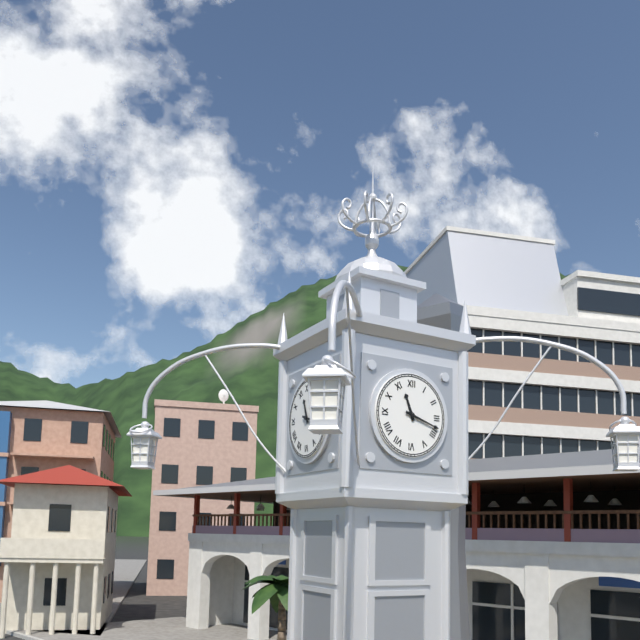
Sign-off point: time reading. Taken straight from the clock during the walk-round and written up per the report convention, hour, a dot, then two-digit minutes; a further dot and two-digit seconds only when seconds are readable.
11.18
